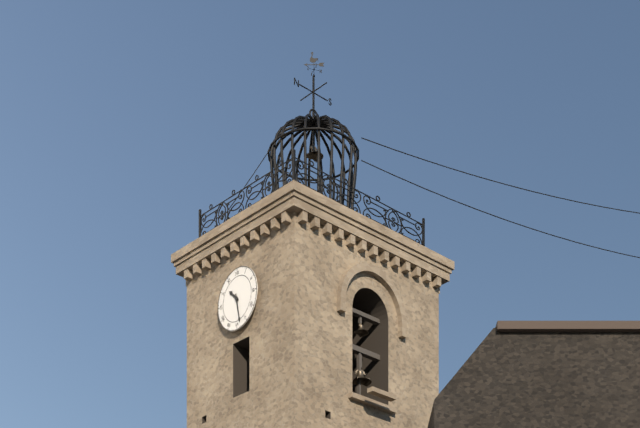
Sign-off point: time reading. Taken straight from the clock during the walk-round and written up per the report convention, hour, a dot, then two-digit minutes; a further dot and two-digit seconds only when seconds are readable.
10.28
